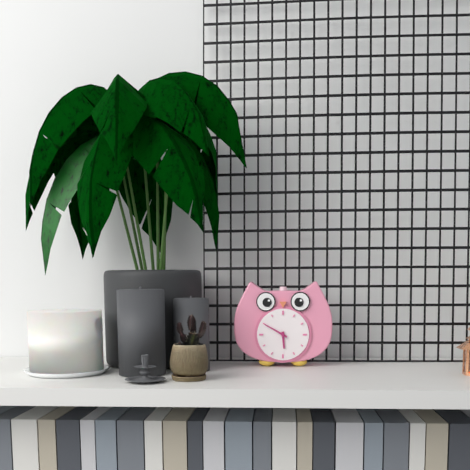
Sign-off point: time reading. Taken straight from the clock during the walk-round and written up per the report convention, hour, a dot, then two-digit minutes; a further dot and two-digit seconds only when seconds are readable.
5.50
